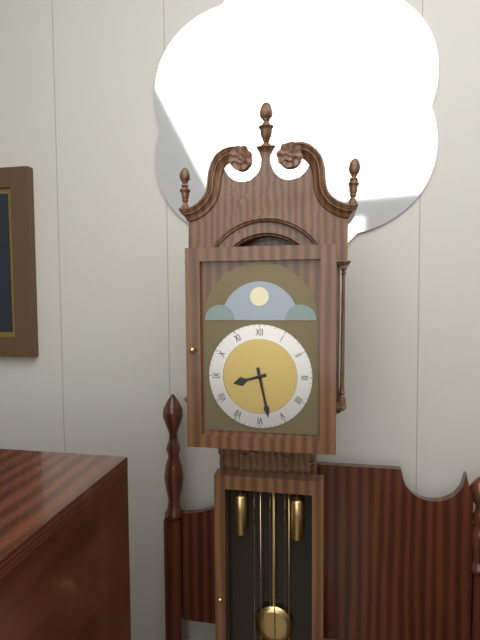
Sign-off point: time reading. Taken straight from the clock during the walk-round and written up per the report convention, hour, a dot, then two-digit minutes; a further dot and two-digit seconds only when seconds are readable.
8.28
